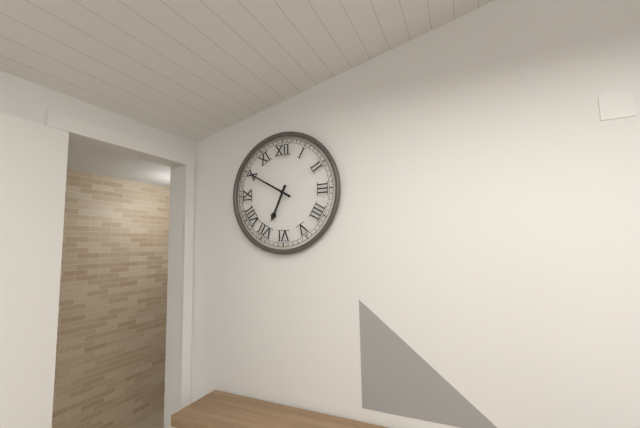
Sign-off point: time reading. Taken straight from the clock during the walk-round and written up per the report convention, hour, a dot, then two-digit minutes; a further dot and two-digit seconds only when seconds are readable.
6.50
